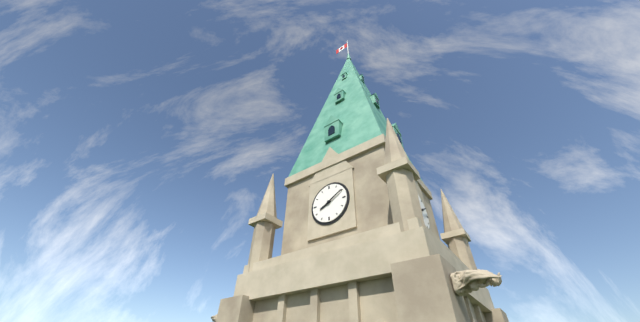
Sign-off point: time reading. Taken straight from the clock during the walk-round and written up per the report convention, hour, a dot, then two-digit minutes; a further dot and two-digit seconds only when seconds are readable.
8.10
